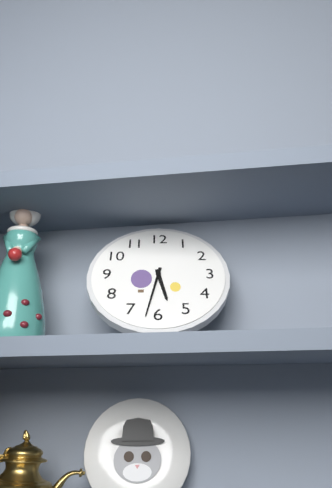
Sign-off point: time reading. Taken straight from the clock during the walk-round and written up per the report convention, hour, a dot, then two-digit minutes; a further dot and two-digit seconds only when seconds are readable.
5.32
